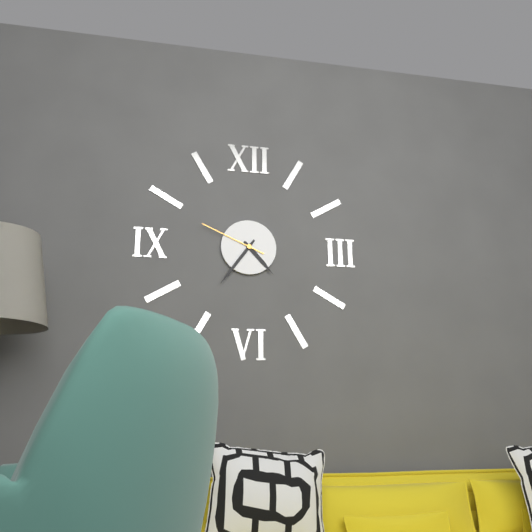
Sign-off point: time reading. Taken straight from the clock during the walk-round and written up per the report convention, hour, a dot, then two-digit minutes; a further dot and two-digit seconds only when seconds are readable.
4.36.49
